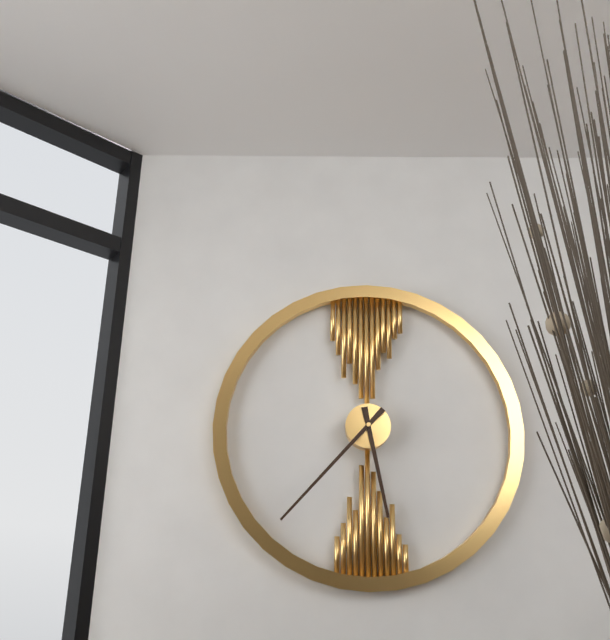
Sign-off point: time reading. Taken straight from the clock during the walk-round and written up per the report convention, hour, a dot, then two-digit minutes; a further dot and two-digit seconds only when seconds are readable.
5.37
